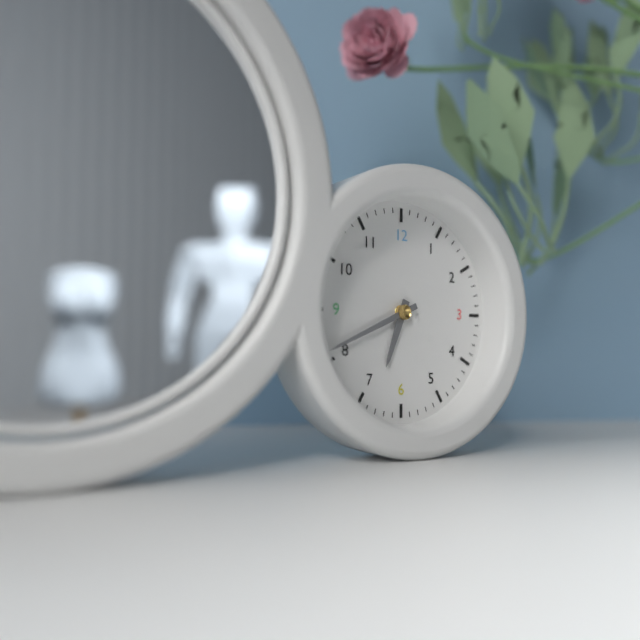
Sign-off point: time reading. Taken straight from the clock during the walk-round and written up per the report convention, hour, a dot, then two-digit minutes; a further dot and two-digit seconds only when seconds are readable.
6.41
